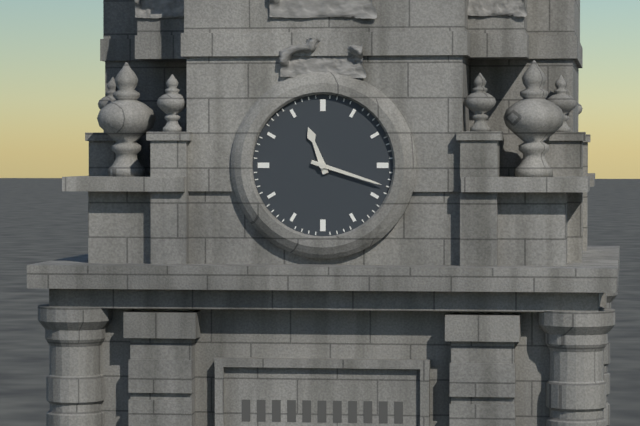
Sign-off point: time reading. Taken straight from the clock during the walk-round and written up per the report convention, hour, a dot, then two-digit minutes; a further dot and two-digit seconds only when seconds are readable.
11.18
